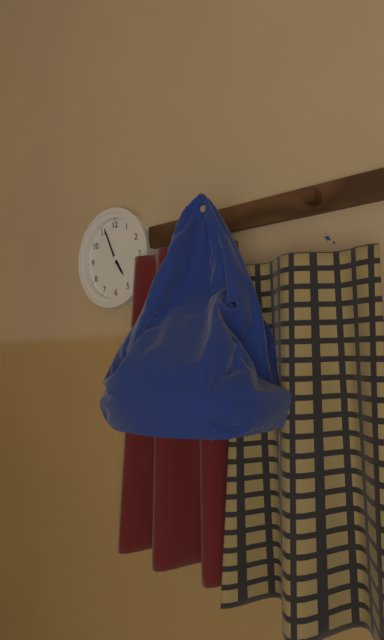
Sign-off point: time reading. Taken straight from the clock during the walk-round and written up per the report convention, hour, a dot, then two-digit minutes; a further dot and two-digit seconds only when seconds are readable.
4.56
